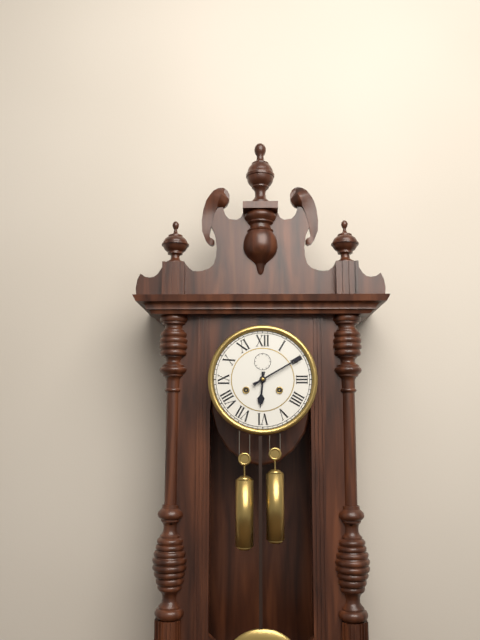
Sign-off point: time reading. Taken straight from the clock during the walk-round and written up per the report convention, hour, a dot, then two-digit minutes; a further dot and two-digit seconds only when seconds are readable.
6.10
